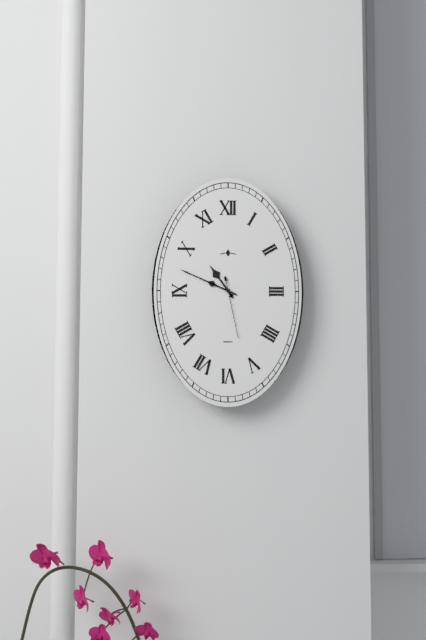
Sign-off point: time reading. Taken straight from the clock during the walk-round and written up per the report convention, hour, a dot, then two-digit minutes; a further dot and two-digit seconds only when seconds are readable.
10.49.28
